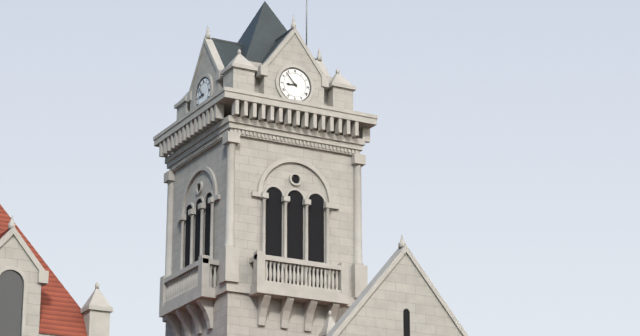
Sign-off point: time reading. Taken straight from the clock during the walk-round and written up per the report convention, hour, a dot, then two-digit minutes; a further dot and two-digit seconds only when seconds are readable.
8.53
